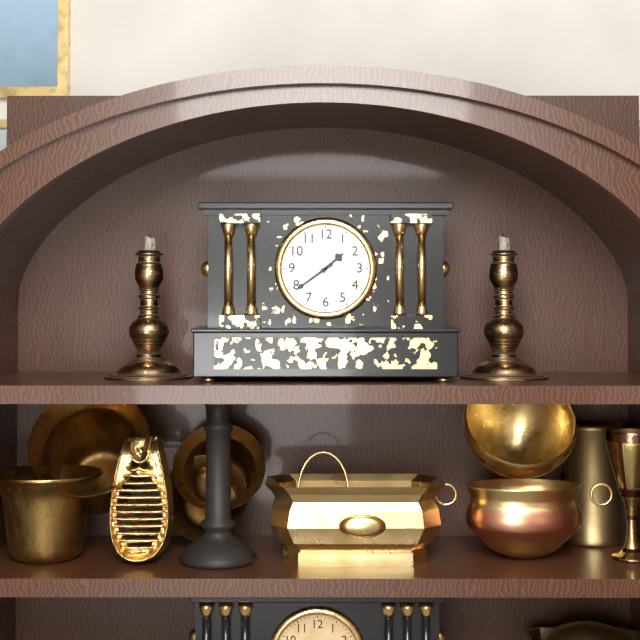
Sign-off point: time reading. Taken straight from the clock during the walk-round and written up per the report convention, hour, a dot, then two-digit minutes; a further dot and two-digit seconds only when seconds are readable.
1.39
